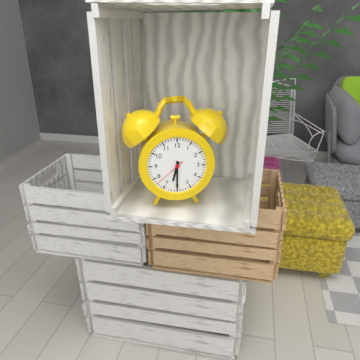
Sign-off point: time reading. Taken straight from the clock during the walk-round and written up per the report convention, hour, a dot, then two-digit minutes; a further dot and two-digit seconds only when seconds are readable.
6.30
